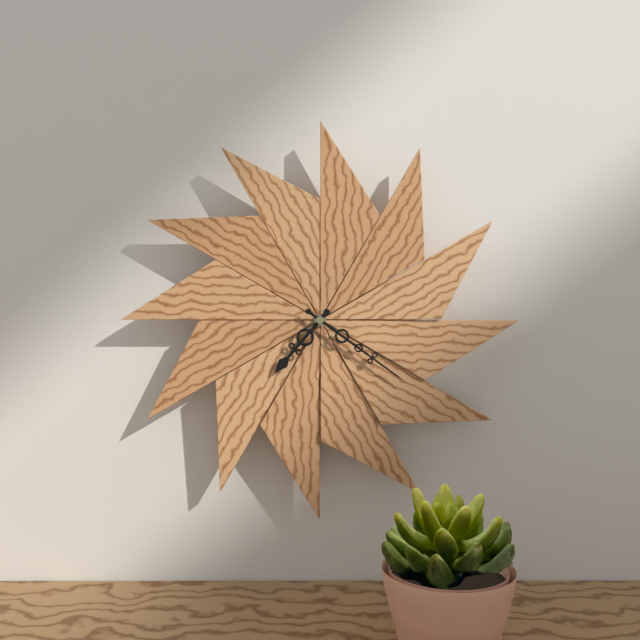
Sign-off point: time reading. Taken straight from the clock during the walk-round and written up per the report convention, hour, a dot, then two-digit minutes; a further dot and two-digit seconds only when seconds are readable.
7.21
